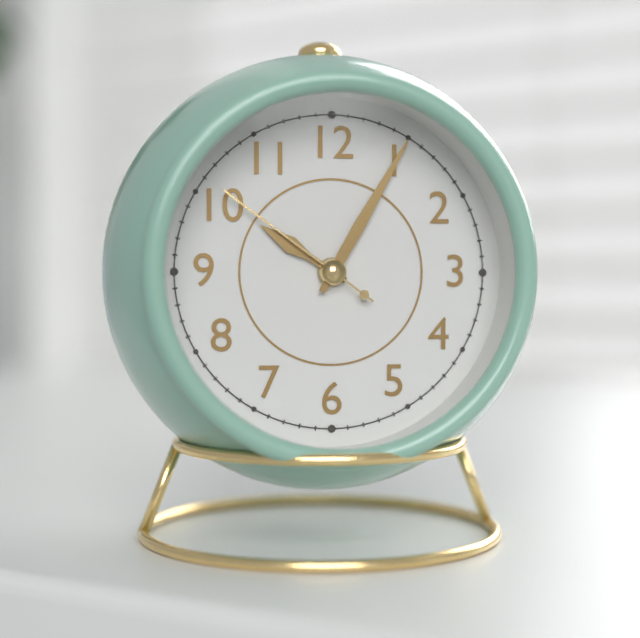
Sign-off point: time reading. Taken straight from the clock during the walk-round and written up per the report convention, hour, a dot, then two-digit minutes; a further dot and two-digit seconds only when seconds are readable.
10.05.51
